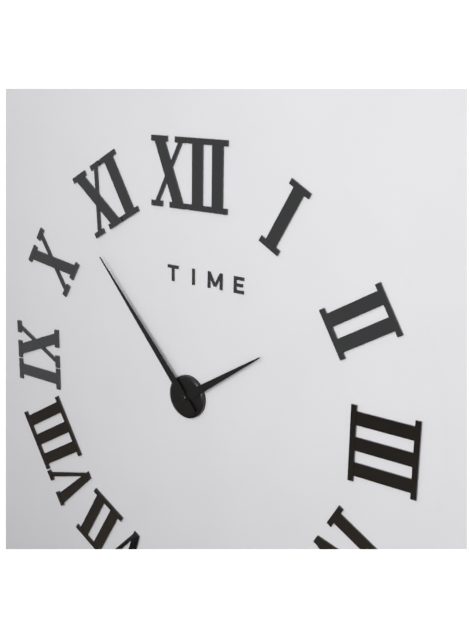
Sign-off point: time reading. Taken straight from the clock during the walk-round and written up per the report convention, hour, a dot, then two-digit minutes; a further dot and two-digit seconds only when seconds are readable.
1.53
